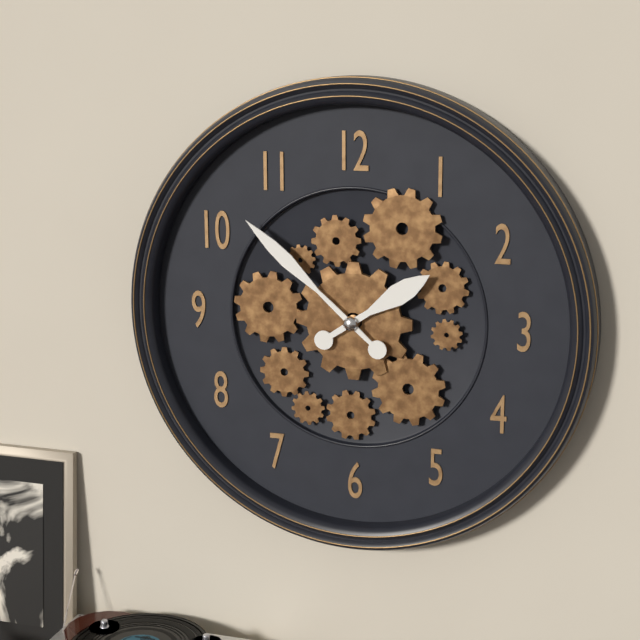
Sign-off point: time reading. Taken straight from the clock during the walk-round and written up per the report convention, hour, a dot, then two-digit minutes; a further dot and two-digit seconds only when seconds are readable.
1.52
